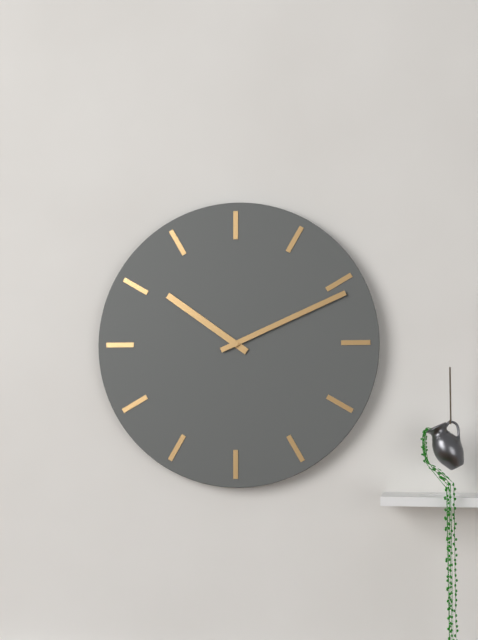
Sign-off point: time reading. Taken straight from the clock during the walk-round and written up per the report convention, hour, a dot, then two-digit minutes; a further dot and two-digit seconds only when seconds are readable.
10.11
